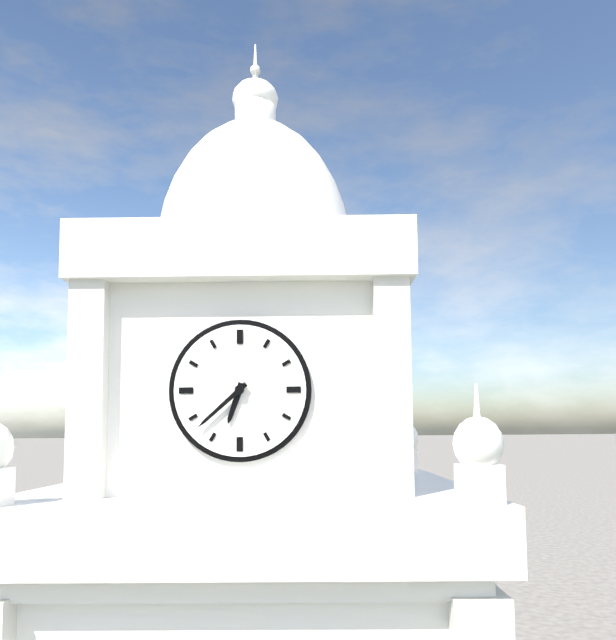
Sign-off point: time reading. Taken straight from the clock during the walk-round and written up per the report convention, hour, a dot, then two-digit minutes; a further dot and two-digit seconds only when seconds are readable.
6.38
